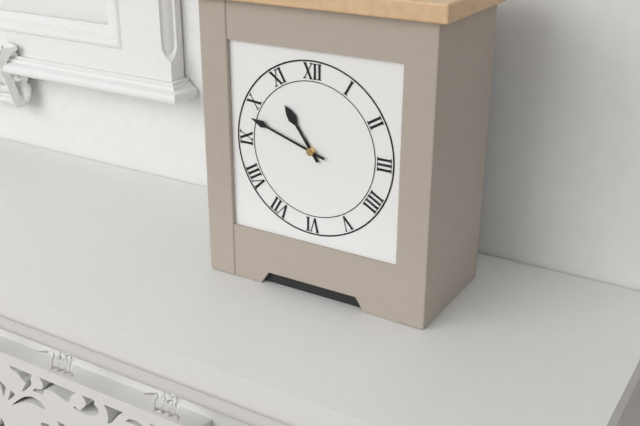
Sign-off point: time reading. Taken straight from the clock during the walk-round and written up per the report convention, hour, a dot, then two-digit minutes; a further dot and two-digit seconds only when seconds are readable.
10.48
